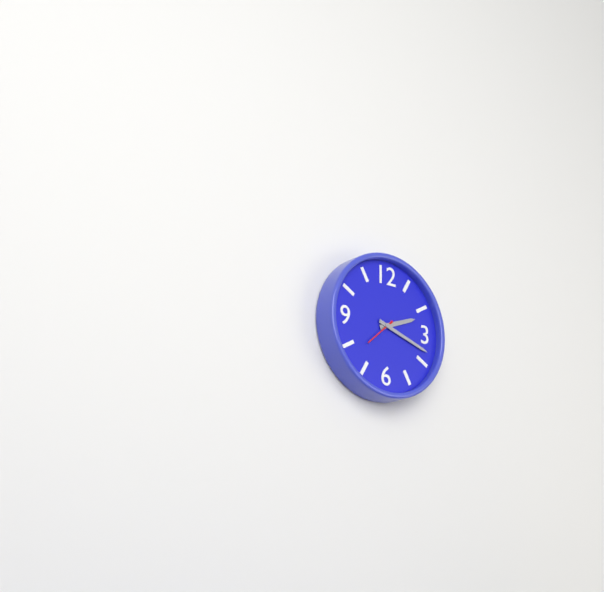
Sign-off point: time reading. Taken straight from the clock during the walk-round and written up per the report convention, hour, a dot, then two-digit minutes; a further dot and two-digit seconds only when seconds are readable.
2.18
